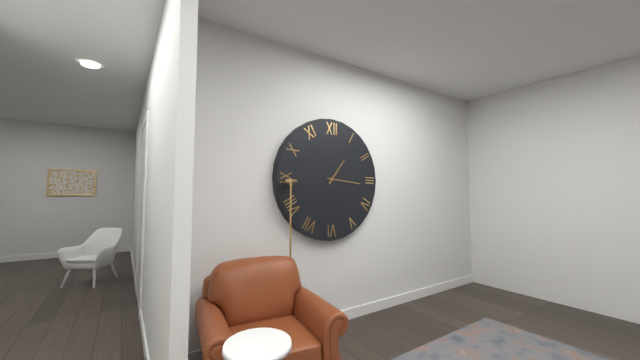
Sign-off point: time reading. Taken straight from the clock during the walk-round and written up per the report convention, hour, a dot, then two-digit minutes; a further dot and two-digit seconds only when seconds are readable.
1.16
